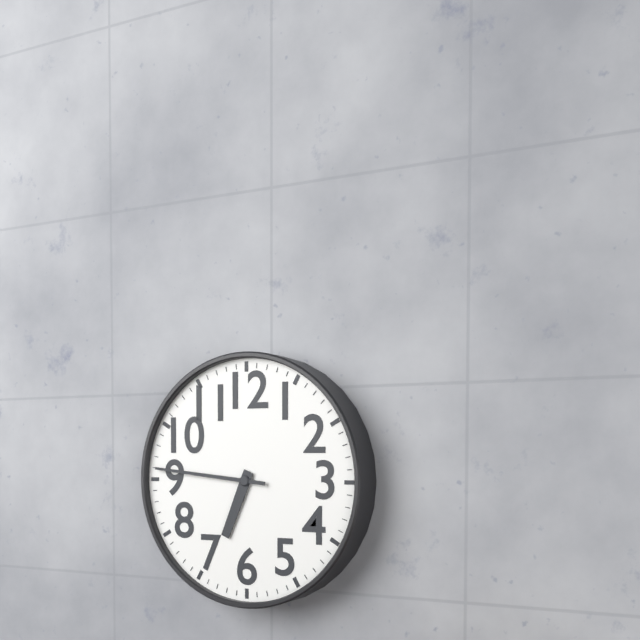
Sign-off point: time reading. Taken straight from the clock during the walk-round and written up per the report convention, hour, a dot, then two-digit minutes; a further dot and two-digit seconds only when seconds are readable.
6.46
